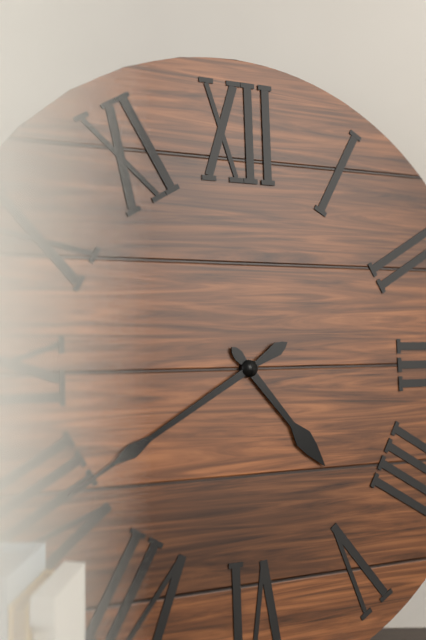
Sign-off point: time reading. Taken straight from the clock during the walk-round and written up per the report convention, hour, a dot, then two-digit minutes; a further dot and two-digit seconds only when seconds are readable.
4.40
